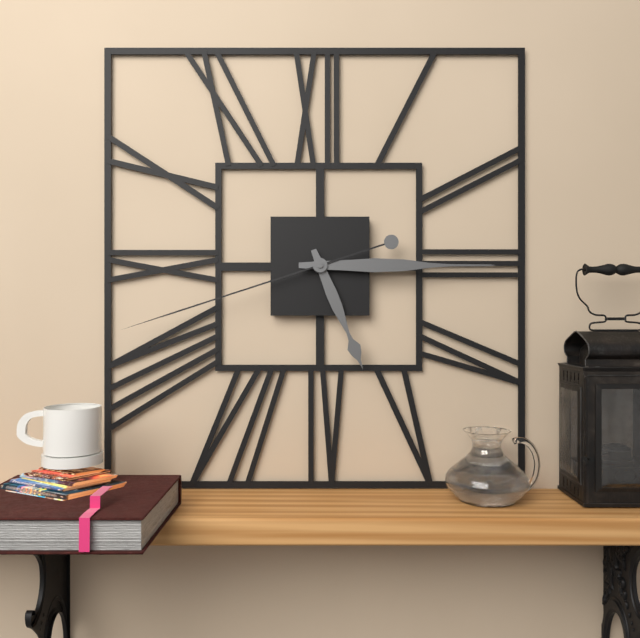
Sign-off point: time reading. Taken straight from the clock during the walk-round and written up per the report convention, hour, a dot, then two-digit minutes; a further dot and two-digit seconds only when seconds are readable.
5.15.42
